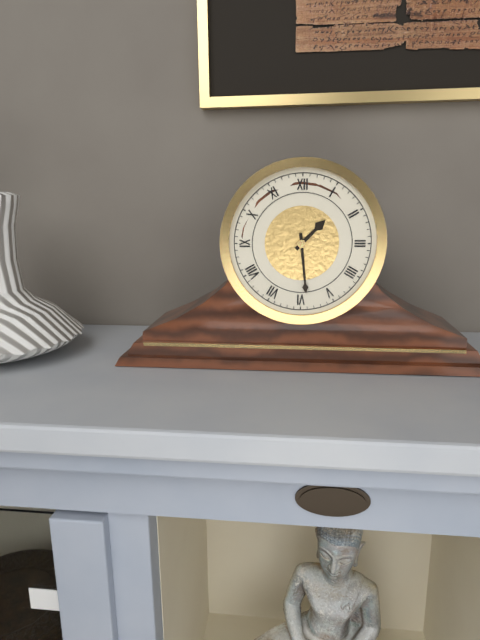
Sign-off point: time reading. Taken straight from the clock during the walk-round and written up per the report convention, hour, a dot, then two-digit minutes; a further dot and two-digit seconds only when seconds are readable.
1.29
